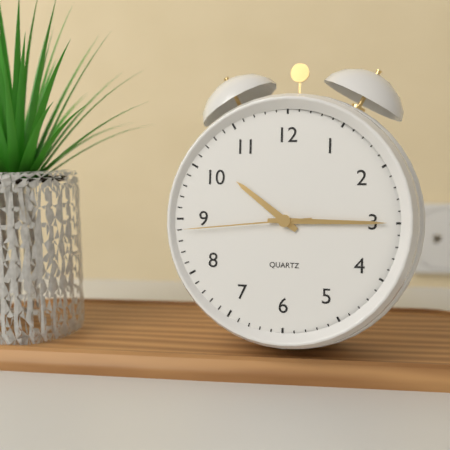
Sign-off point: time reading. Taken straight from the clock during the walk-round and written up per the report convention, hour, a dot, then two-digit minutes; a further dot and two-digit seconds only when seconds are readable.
10.15.44
